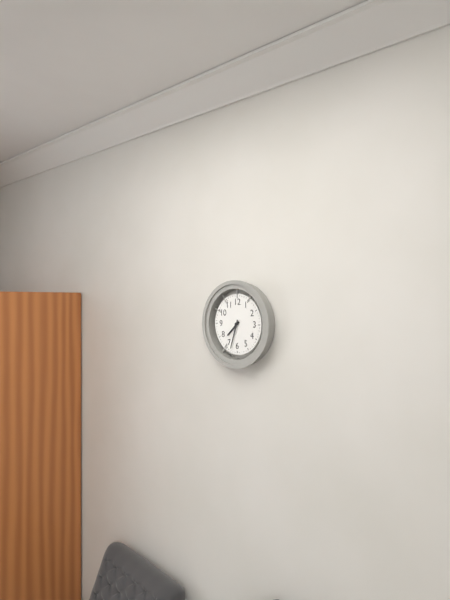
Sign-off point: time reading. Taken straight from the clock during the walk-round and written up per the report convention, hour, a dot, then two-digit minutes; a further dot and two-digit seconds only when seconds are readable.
7.33
